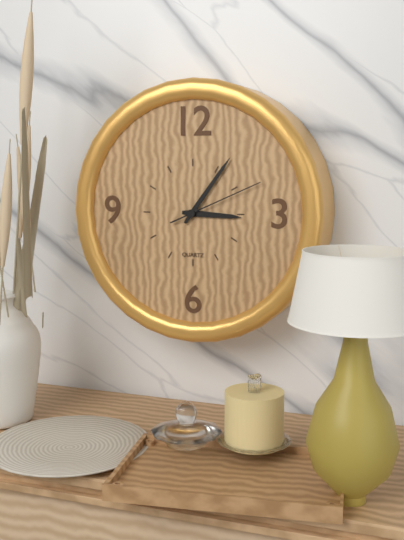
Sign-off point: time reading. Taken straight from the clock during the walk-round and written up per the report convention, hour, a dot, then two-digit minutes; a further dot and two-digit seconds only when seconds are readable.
3.06.11
